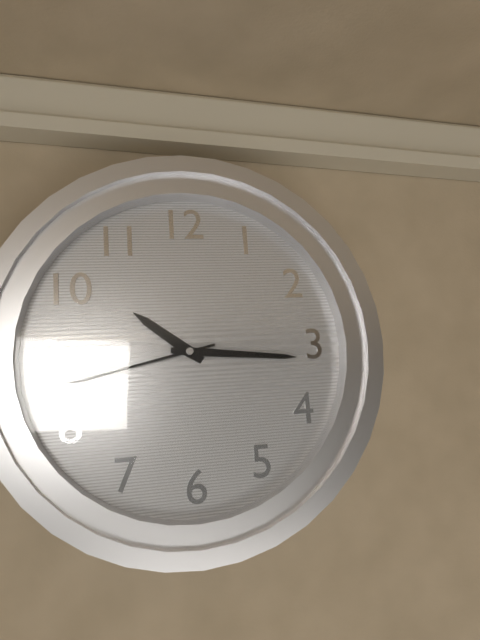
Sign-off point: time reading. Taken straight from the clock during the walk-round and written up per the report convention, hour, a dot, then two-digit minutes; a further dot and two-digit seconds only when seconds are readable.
10.16.43
